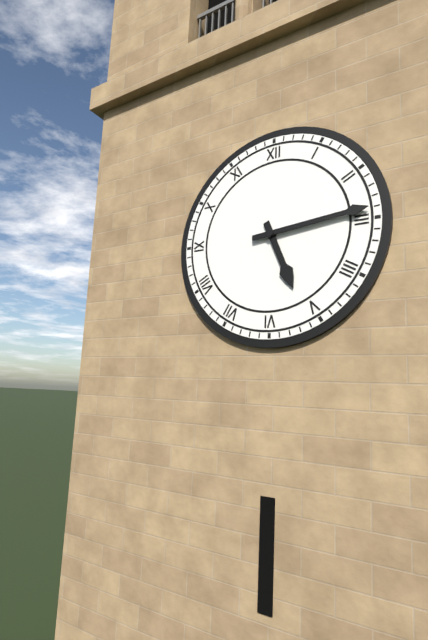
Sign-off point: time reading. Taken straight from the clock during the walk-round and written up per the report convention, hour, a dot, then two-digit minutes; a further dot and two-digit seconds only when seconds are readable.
5.14
